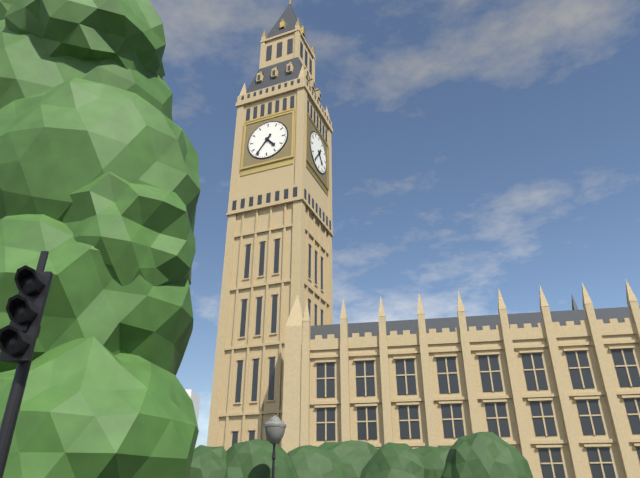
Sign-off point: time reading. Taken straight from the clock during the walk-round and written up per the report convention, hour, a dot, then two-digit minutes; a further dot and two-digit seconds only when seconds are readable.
4.36
